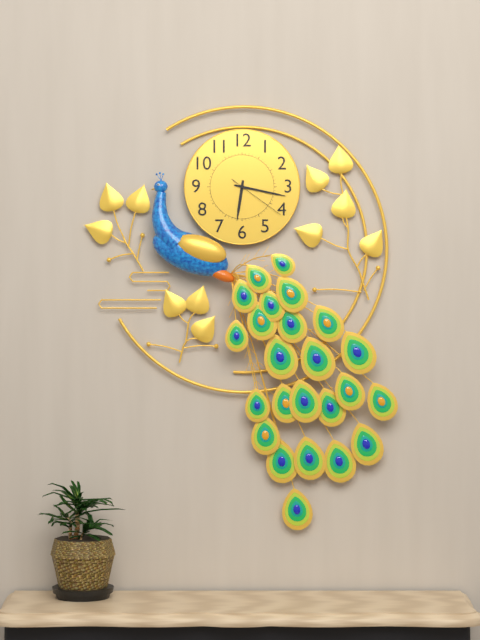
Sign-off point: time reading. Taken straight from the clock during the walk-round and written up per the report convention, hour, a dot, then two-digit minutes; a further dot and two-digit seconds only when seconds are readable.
6.17.21
